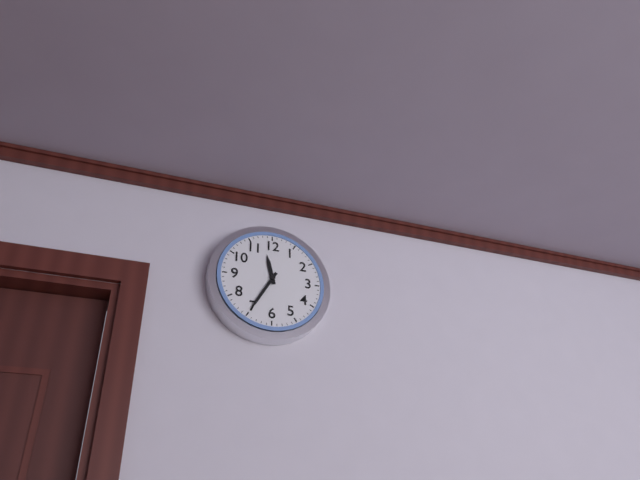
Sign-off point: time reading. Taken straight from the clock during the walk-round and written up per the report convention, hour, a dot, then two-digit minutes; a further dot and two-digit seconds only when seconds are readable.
11.35
